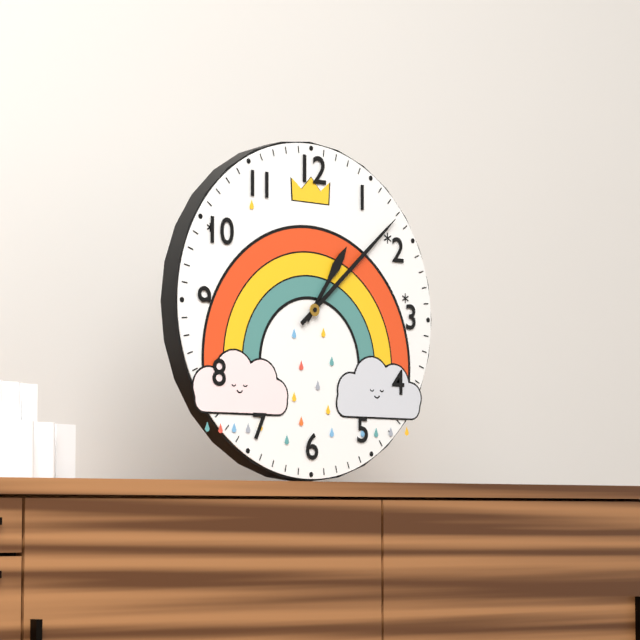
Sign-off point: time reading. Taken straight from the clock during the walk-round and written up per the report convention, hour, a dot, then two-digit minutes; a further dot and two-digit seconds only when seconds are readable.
1.08
